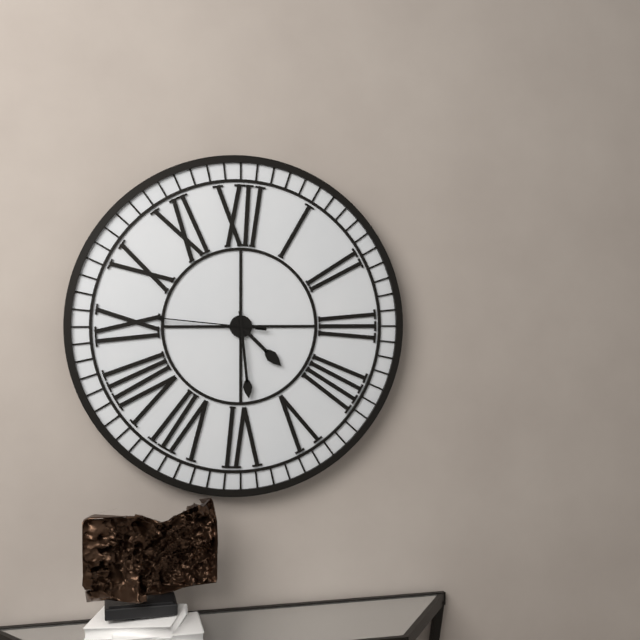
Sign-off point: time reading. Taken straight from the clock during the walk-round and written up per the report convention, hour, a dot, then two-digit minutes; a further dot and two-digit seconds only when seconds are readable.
4.29.46
